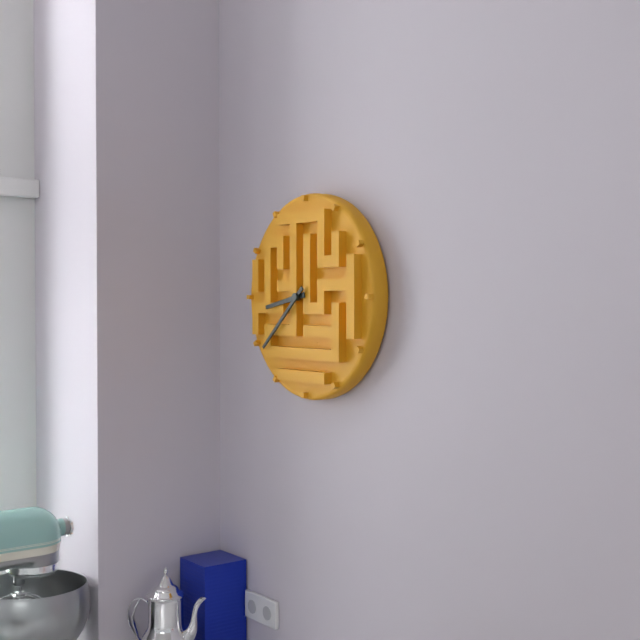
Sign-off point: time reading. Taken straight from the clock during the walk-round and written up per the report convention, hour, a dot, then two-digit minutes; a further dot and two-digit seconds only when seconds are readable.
8.38
